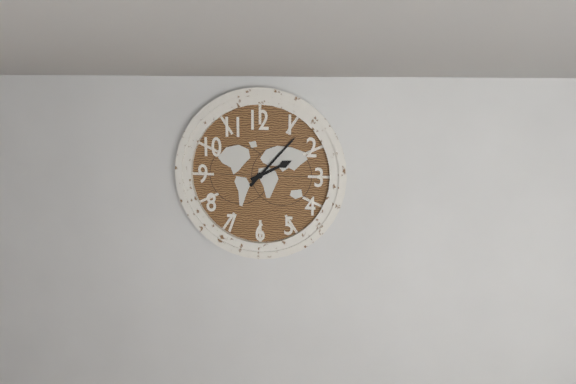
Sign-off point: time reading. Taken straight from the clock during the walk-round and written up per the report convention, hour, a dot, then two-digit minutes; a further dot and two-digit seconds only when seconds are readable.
2.07
